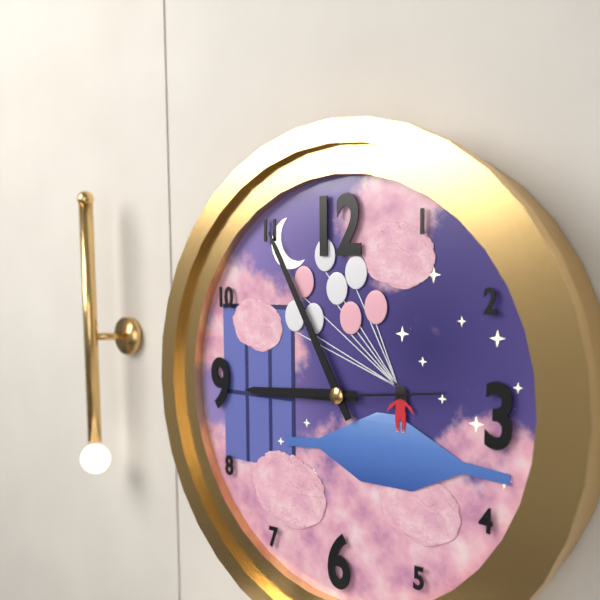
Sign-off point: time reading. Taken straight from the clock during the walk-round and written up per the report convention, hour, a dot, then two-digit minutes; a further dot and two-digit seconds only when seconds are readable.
8.55.14
